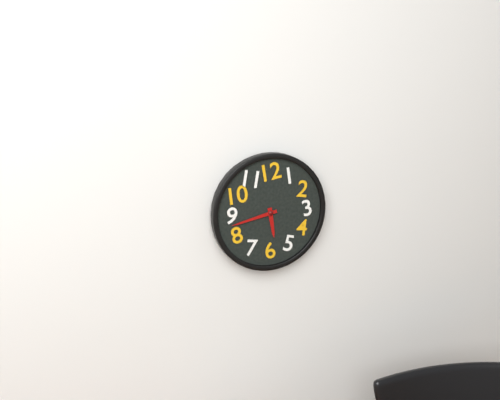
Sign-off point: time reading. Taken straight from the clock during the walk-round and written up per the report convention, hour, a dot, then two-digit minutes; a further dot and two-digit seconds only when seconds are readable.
5.43
